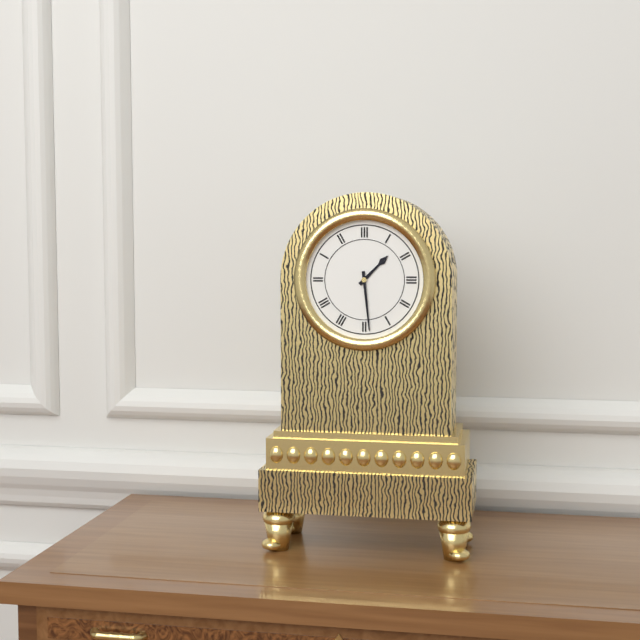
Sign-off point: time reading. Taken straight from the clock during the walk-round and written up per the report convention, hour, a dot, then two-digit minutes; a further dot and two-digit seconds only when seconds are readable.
1.29
